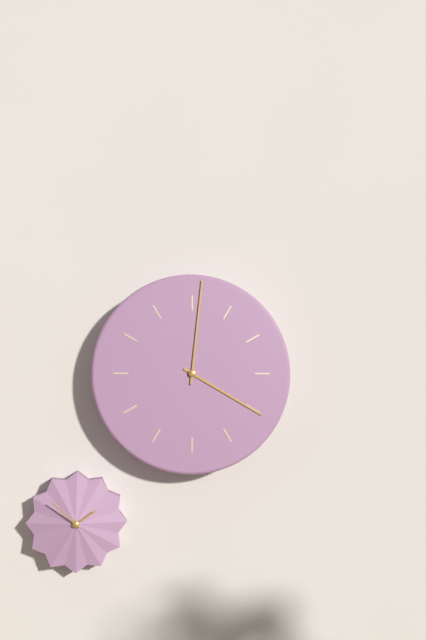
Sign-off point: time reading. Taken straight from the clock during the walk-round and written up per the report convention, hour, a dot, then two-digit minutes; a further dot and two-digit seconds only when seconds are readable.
4.01
